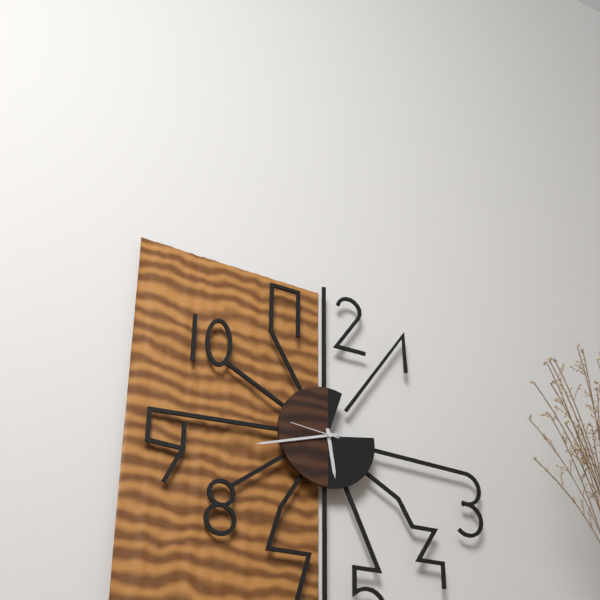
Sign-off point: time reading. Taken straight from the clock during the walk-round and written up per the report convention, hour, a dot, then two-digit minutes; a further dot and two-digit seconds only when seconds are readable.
5.42
